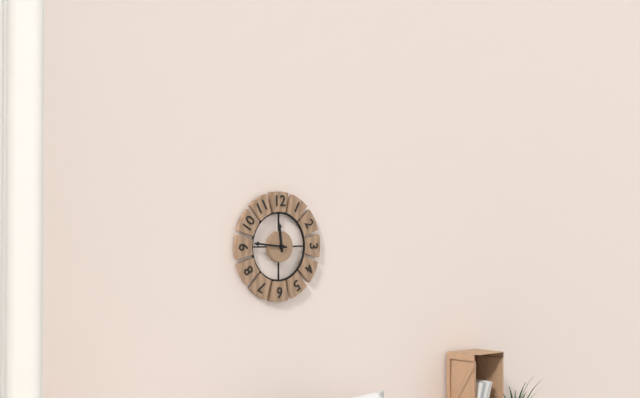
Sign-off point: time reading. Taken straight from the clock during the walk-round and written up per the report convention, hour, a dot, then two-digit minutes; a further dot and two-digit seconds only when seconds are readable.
11.46
